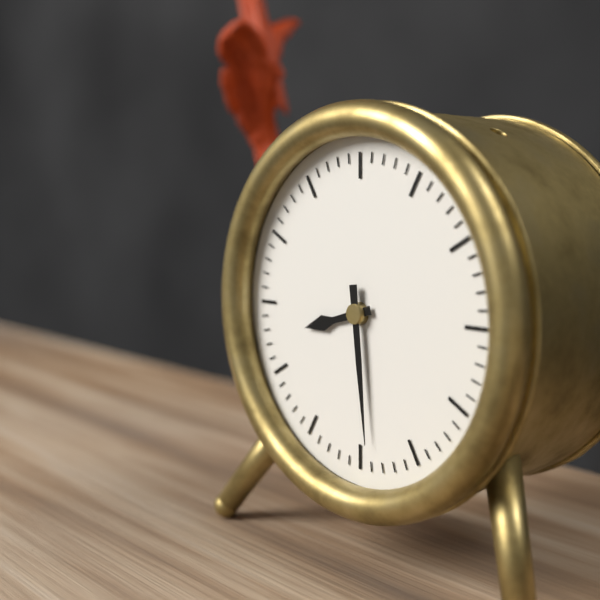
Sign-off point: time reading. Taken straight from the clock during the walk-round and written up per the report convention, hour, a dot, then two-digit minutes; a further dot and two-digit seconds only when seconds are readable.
8.29
